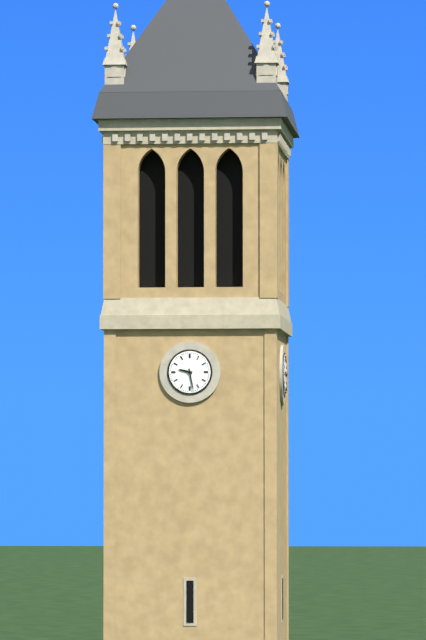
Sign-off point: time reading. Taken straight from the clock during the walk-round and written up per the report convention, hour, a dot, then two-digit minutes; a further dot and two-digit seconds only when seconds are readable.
9.28
